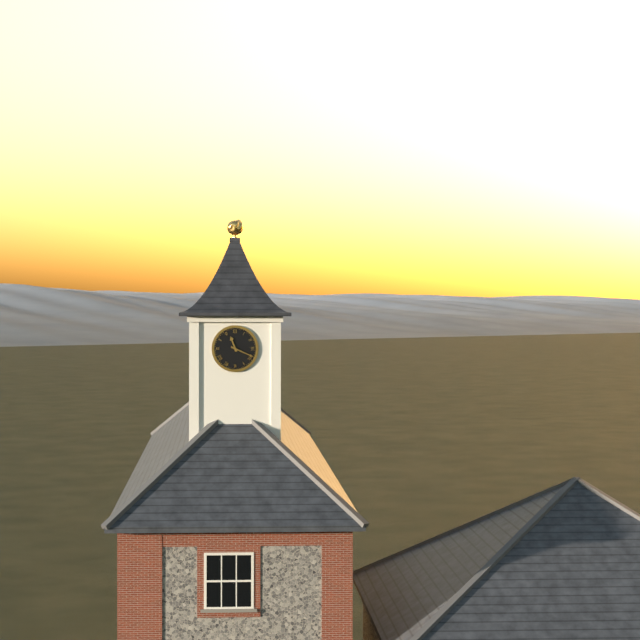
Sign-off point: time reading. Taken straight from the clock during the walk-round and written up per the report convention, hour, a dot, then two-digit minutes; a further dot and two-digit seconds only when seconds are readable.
11.19
